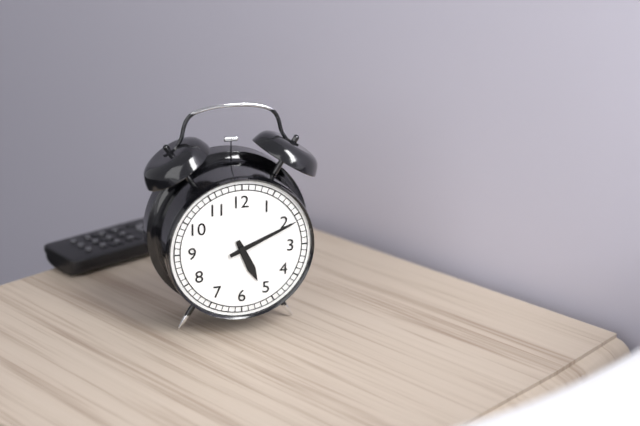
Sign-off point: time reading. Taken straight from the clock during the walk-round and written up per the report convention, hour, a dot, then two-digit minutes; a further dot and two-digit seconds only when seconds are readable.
5.11
